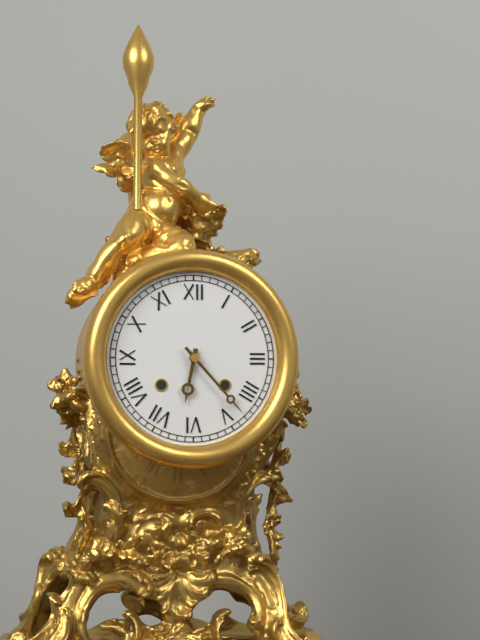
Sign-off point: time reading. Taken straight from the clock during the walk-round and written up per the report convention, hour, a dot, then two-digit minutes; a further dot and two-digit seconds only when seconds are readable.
6.23
